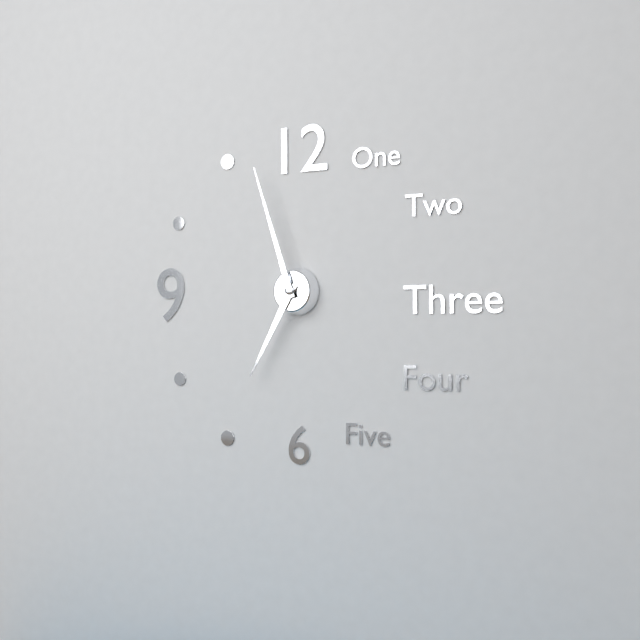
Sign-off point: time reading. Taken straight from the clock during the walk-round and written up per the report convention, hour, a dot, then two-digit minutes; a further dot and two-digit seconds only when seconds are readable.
6.57
